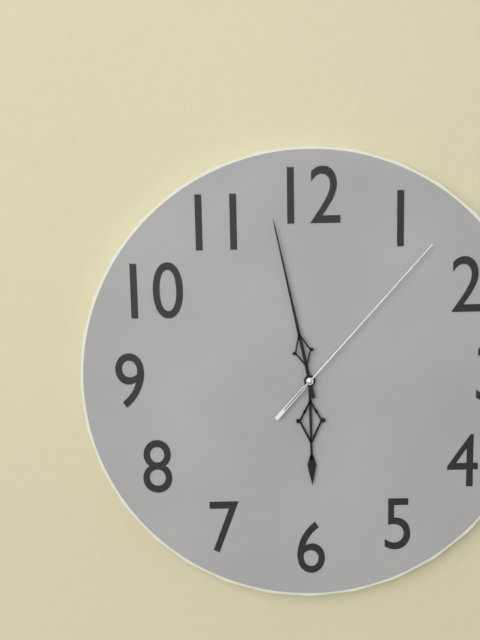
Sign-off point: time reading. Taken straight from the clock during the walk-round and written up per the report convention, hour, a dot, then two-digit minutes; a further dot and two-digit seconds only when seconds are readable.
5.58.07
